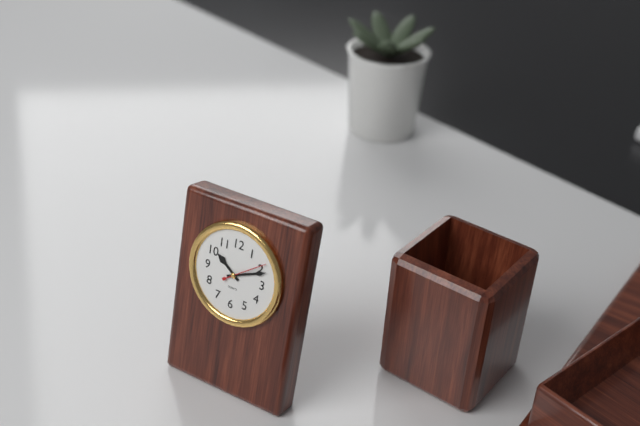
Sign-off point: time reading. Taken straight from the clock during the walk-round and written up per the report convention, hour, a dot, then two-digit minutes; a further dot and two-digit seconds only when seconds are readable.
10.11
